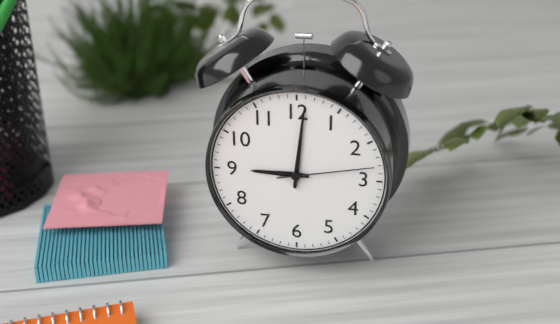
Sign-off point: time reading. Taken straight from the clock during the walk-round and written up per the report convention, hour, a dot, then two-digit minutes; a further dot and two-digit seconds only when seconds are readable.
9.01.13
